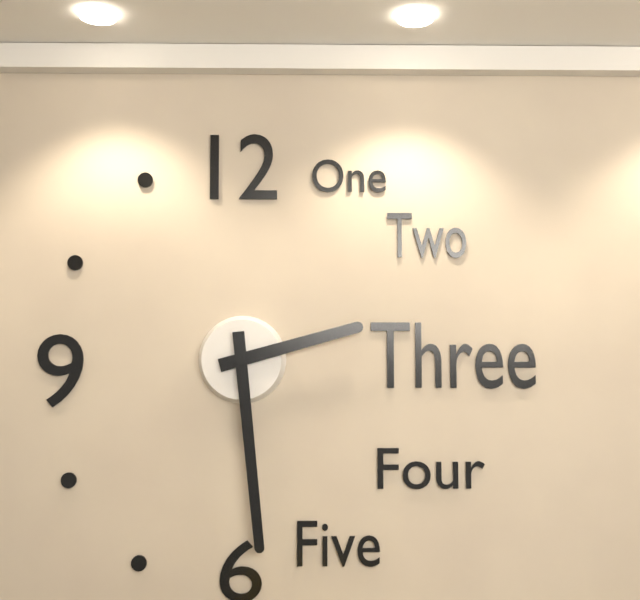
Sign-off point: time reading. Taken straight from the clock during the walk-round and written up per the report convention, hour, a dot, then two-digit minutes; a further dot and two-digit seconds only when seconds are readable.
2.29
